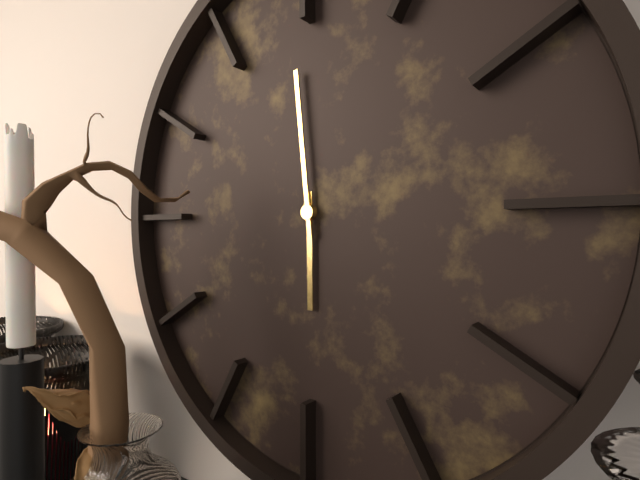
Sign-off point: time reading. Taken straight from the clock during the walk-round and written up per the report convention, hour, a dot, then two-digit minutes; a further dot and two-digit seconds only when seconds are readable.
5.59
